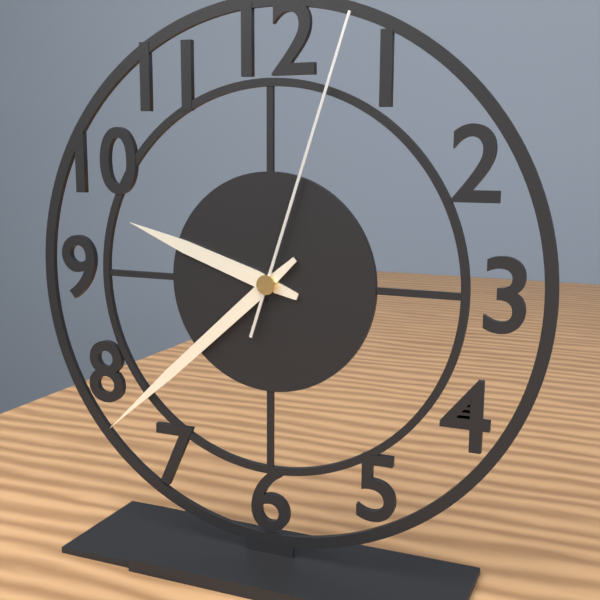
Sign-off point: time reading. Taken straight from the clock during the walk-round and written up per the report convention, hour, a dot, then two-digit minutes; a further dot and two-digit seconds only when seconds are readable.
9.38.03
